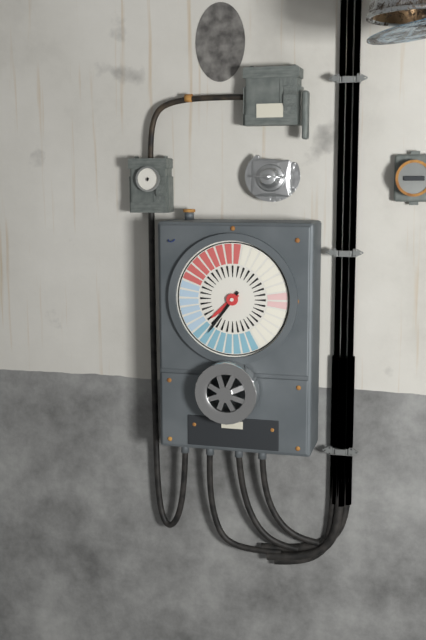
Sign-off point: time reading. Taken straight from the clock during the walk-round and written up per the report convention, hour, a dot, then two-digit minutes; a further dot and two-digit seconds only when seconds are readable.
7.36
